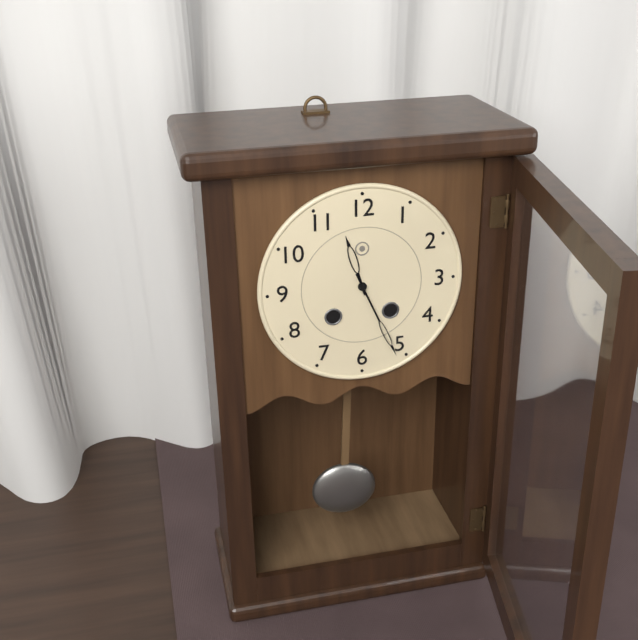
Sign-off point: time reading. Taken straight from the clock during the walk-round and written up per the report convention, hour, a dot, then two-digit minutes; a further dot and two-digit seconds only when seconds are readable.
11.26
